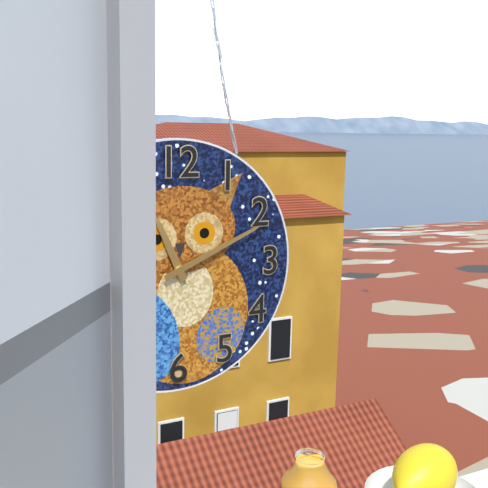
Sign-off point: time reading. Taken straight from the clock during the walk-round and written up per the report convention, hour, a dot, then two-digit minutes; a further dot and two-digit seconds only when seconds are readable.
11.11
